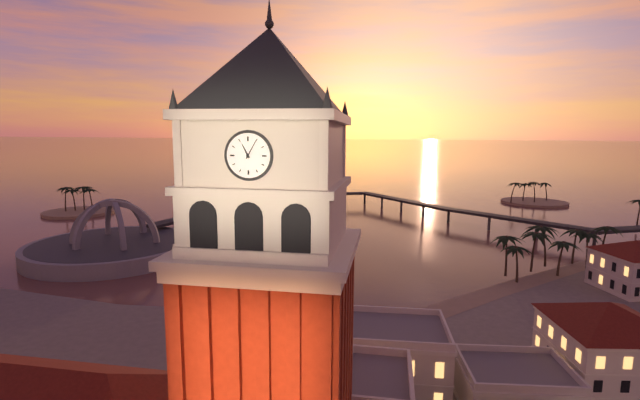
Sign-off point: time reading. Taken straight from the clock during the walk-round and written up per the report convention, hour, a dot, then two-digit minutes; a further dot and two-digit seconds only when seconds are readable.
11.05
